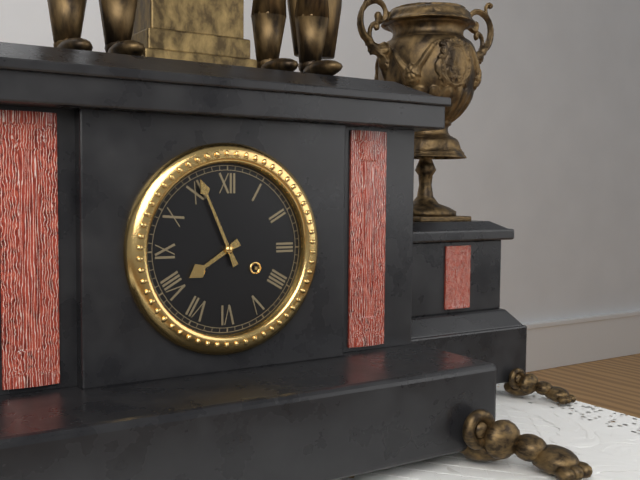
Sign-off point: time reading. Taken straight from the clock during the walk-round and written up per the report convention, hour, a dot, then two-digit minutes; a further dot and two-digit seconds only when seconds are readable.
7.56
